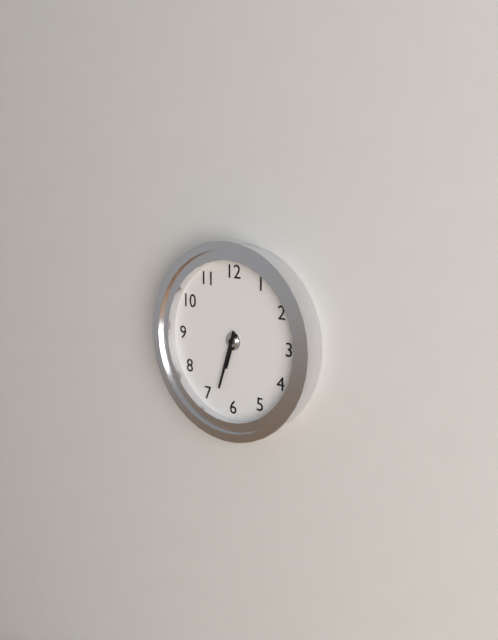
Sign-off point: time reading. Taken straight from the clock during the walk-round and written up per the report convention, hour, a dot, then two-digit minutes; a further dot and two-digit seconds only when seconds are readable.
6.33
